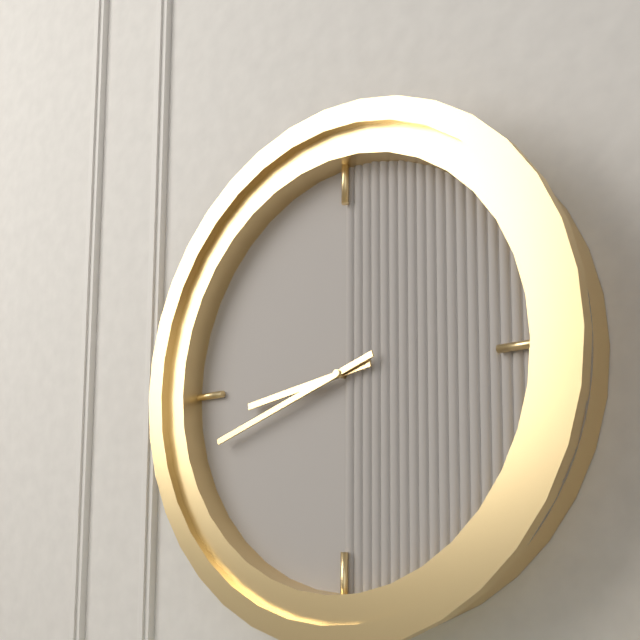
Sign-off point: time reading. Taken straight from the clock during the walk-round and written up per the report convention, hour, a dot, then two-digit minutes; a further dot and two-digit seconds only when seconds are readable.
8.42
